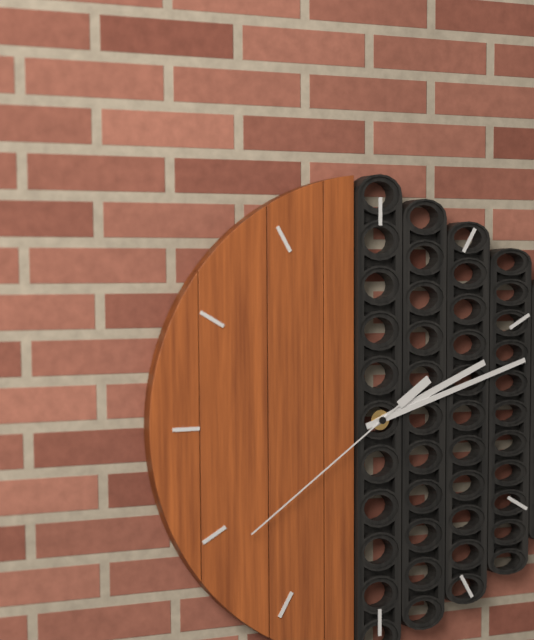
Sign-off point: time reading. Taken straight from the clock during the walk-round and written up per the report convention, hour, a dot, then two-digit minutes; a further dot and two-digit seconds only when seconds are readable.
2.12.39
